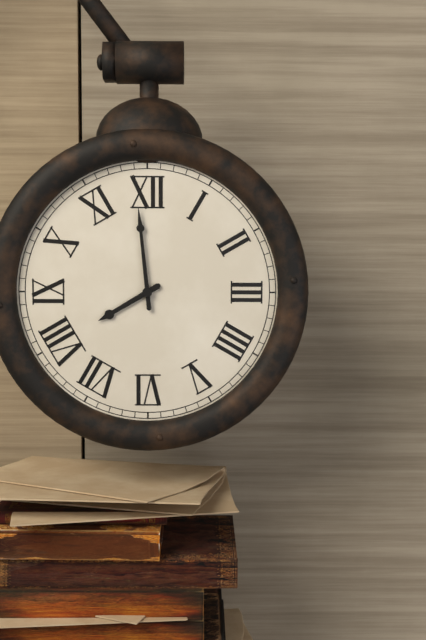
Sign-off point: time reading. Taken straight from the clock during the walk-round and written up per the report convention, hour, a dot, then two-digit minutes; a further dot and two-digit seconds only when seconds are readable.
7.59
